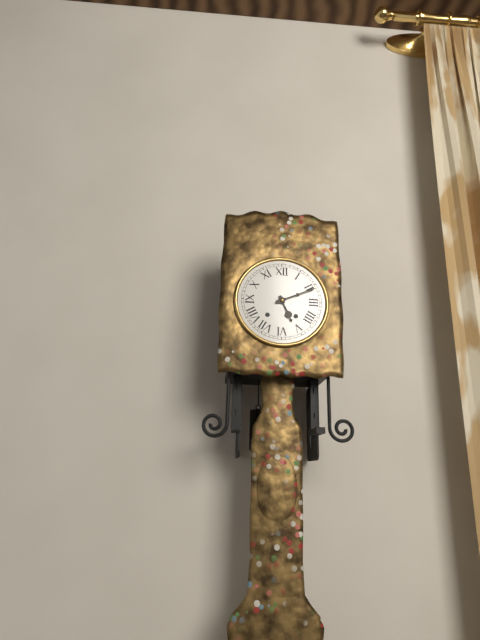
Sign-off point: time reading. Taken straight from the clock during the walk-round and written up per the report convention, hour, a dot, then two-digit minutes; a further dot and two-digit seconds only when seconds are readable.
5.11
